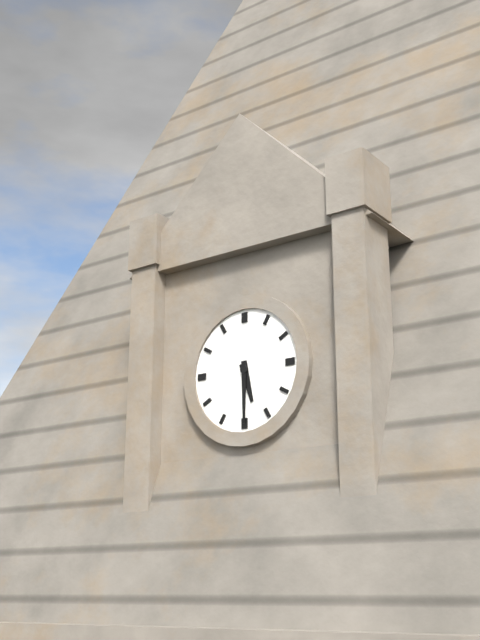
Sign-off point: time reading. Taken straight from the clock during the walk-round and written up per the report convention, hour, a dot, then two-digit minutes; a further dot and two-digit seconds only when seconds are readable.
5.30
